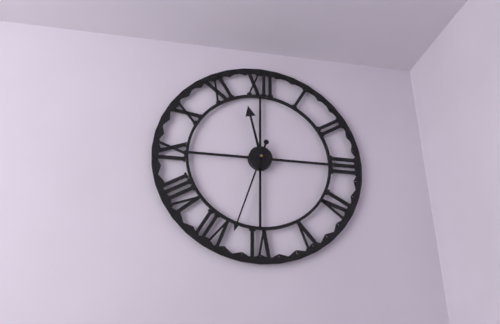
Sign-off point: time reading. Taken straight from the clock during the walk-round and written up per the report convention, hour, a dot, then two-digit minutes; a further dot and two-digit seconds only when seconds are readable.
11.33
